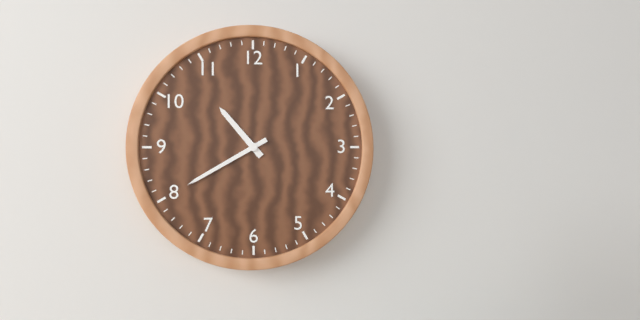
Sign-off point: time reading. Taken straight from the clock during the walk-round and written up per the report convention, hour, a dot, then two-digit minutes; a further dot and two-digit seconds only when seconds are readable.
10.40
